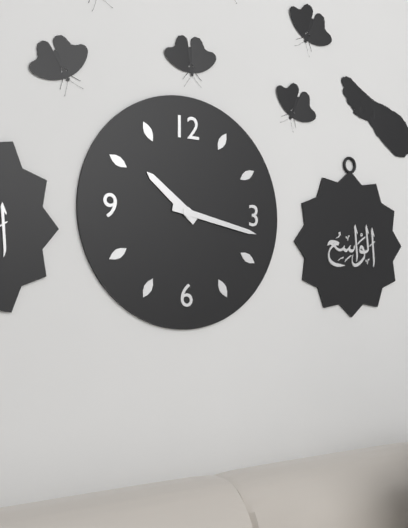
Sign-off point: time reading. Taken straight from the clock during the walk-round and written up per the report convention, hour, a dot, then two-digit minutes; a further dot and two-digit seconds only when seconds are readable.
10.17
